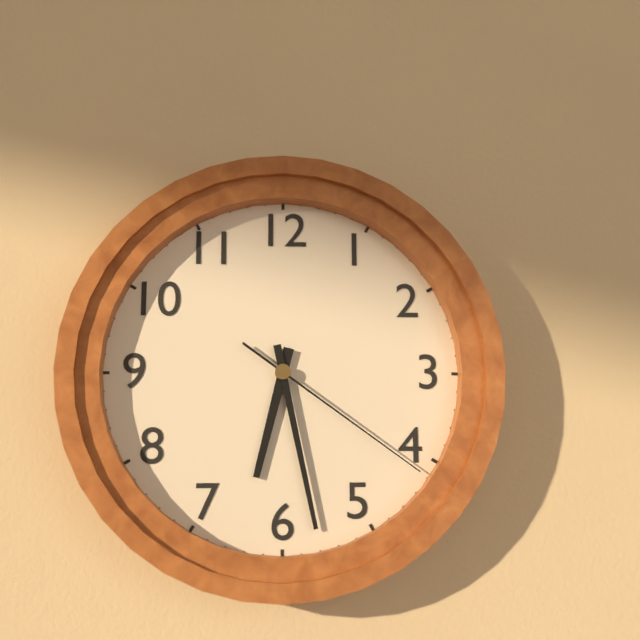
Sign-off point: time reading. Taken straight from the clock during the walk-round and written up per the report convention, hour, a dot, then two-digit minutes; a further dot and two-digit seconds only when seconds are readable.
6.28.21
